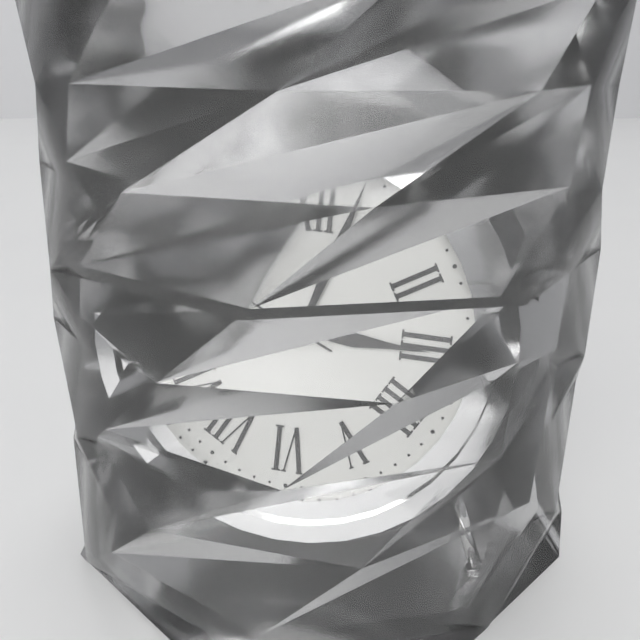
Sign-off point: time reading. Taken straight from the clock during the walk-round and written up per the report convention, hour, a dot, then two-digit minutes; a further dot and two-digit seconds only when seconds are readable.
3.03.49
